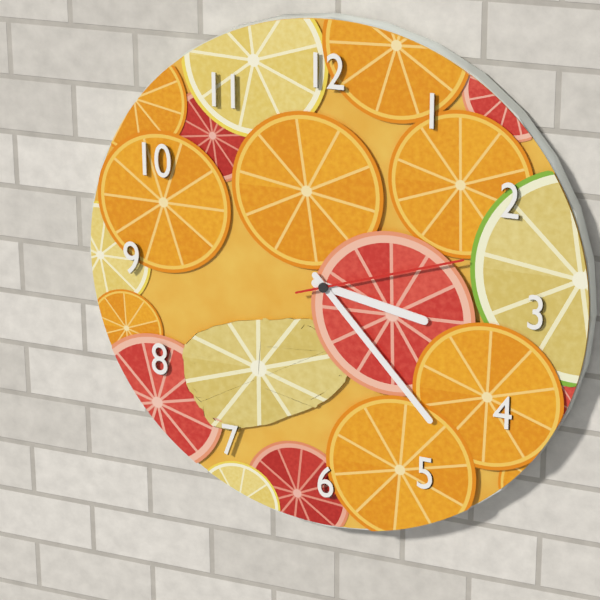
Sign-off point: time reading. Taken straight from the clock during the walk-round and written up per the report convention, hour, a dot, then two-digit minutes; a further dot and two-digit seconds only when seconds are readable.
3.23.12
